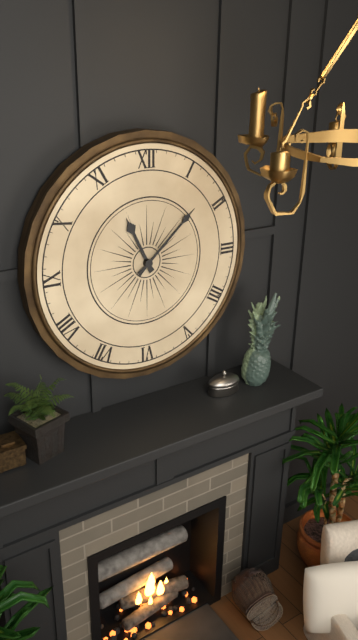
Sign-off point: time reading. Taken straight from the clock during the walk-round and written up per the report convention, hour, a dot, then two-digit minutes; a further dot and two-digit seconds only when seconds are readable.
11.08
